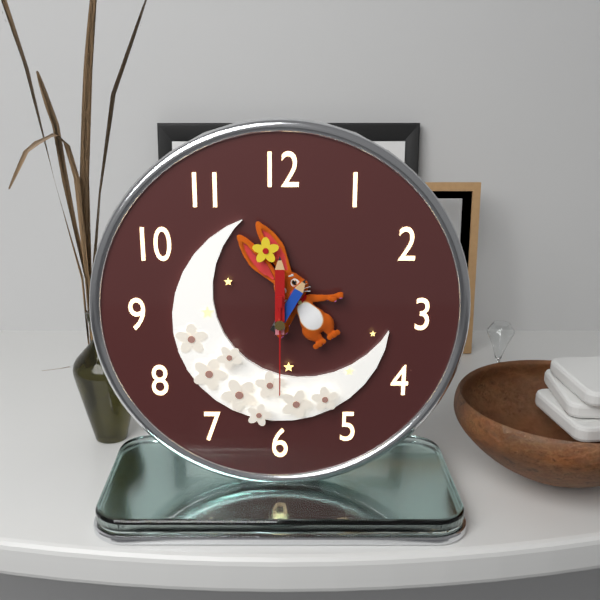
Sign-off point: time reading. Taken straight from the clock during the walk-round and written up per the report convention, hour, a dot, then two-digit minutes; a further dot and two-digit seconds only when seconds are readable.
1.00.30
